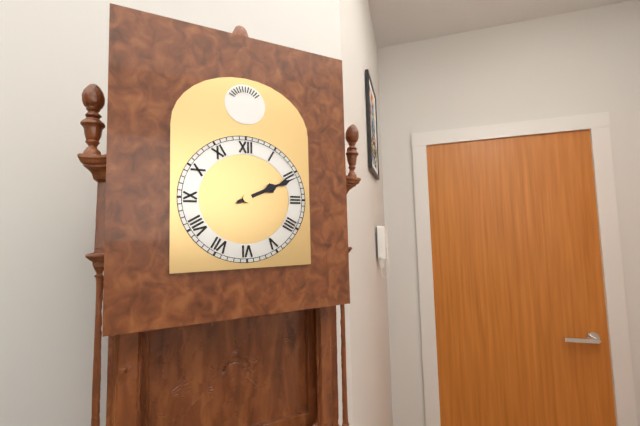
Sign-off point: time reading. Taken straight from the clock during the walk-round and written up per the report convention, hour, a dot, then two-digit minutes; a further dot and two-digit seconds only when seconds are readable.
2.11
